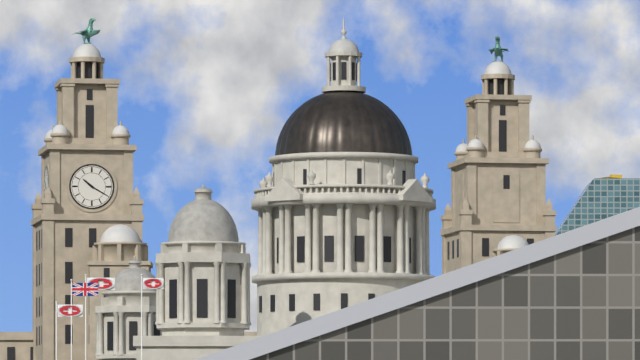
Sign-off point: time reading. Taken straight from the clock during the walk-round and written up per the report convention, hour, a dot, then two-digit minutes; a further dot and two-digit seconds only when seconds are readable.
10.20
